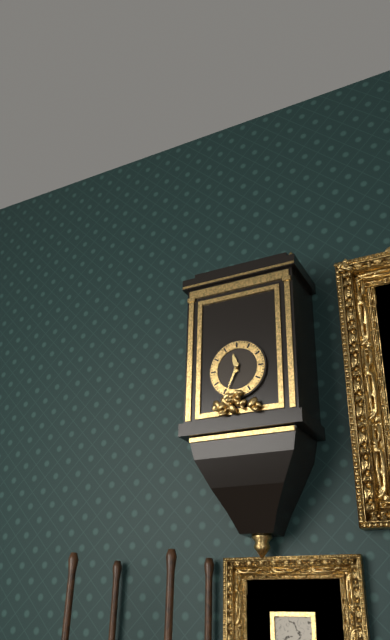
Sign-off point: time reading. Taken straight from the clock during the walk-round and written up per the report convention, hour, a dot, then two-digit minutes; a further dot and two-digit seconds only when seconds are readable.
11.34
